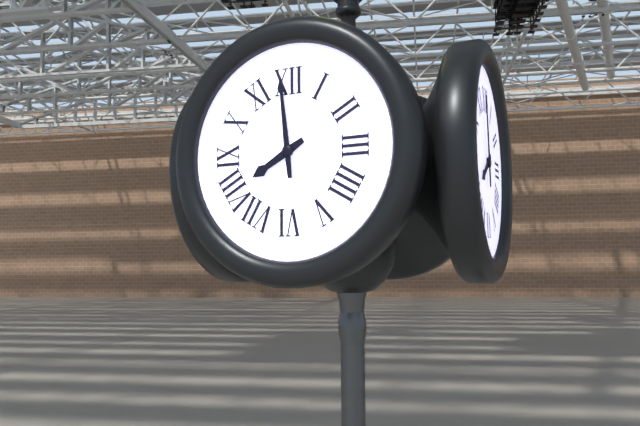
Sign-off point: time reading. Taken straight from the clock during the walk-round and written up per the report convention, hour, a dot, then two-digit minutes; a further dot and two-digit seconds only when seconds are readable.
7.59
